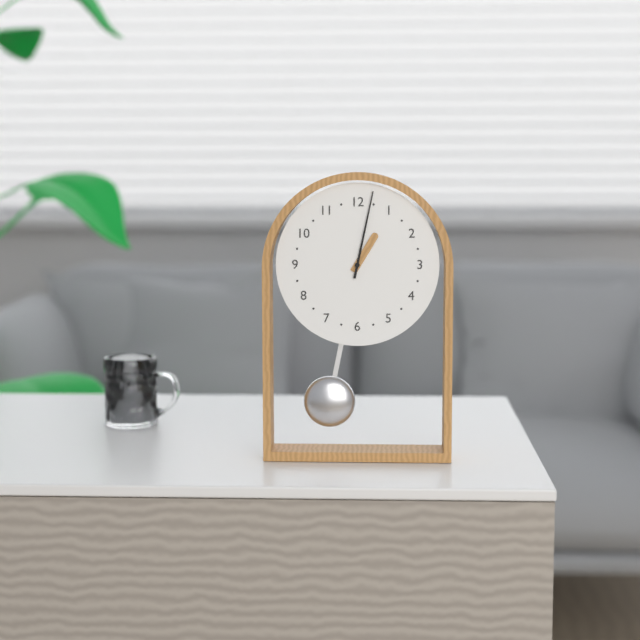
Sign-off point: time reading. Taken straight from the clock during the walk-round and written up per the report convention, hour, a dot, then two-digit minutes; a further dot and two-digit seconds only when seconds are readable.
1.02
